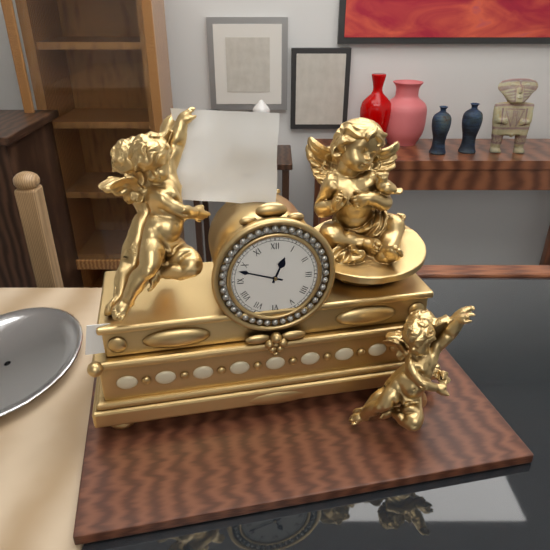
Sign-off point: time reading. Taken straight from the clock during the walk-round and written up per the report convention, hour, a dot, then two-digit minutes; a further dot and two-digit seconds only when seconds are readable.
12.48
